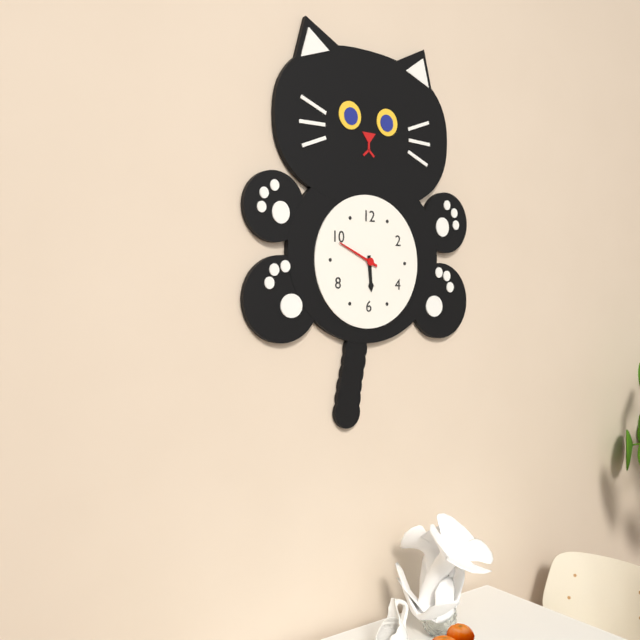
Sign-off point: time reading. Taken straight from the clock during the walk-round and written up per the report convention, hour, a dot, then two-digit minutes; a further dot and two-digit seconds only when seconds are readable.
5.49
